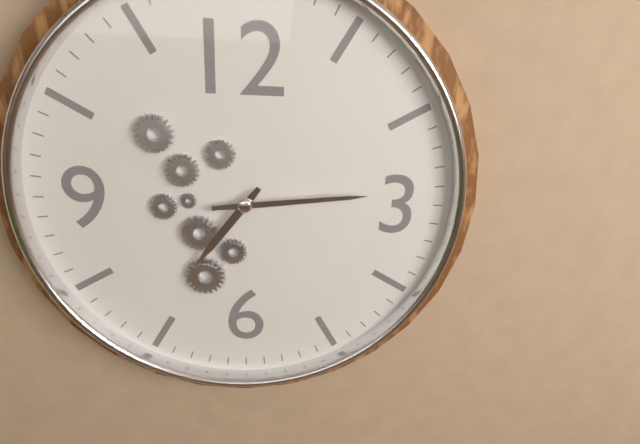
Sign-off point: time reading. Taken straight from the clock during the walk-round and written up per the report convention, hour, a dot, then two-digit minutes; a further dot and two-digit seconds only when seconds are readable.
7.14
